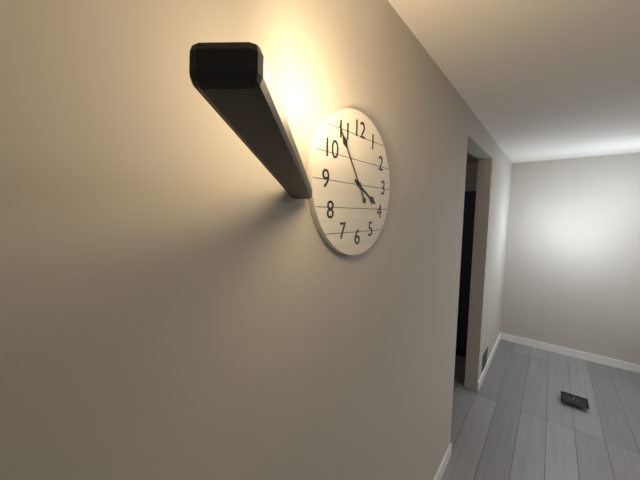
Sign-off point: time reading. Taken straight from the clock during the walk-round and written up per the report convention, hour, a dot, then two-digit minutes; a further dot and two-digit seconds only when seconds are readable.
3.54
